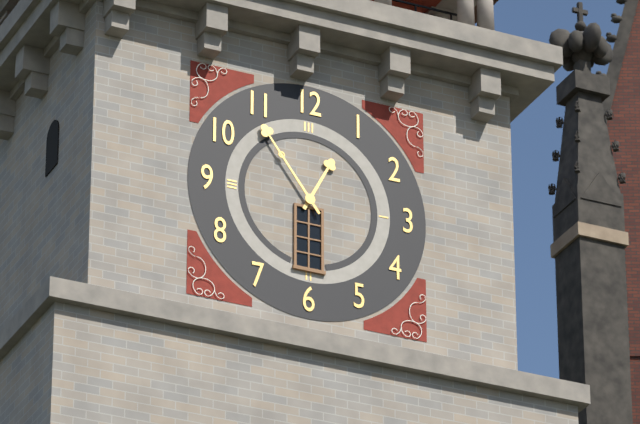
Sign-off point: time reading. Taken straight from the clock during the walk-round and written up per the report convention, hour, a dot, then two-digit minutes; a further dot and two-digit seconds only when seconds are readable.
12.54
